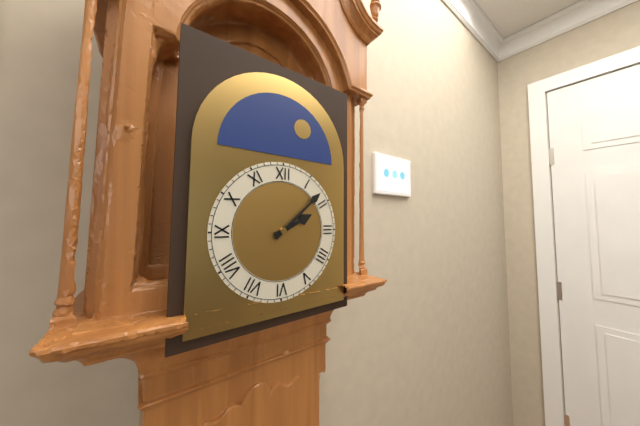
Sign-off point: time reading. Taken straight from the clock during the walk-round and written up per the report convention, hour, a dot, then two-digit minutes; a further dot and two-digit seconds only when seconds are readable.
2.08
